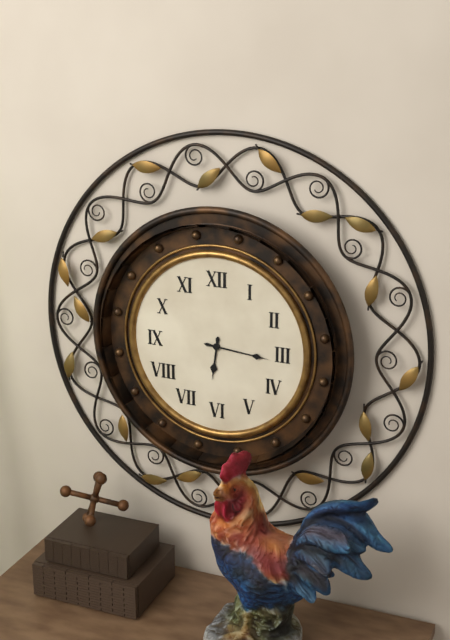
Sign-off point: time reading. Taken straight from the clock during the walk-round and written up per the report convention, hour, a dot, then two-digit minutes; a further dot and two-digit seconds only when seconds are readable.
6.16
